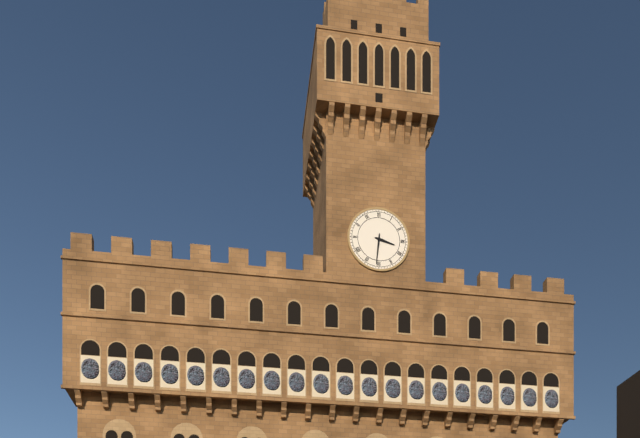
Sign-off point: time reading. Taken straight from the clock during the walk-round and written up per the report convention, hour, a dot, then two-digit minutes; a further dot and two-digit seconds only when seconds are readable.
3.31
